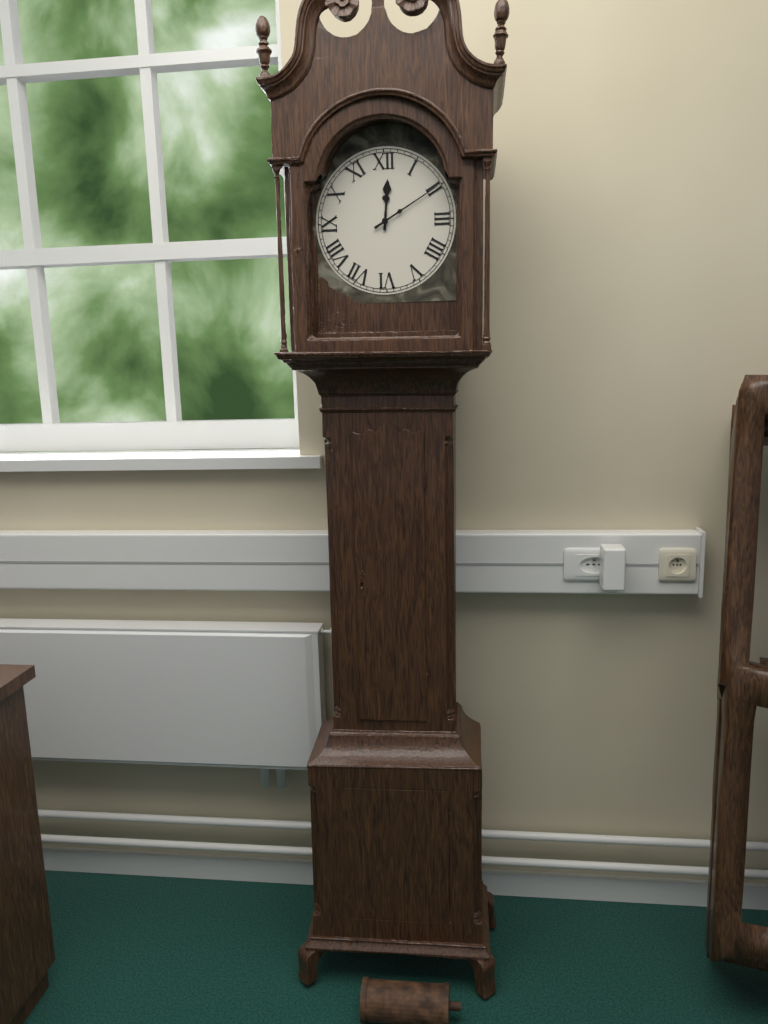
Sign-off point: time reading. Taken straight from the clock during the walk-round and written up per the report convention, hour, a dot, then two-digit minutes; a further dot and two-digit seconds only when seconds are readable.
12.10
